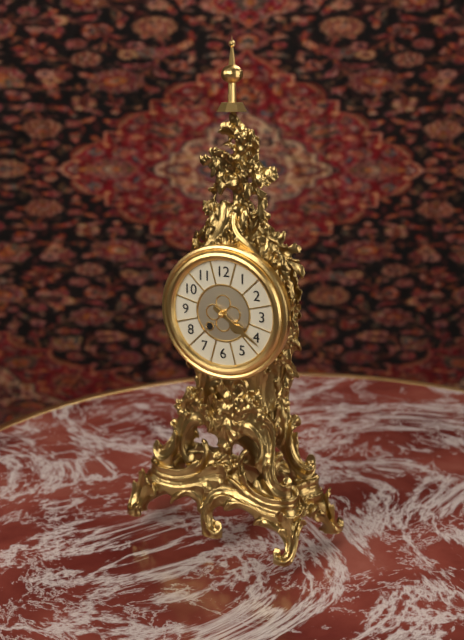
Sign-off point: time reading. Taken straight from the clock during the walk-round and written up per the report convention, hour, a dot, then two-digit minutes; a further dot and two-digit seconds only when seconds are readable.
4.21
